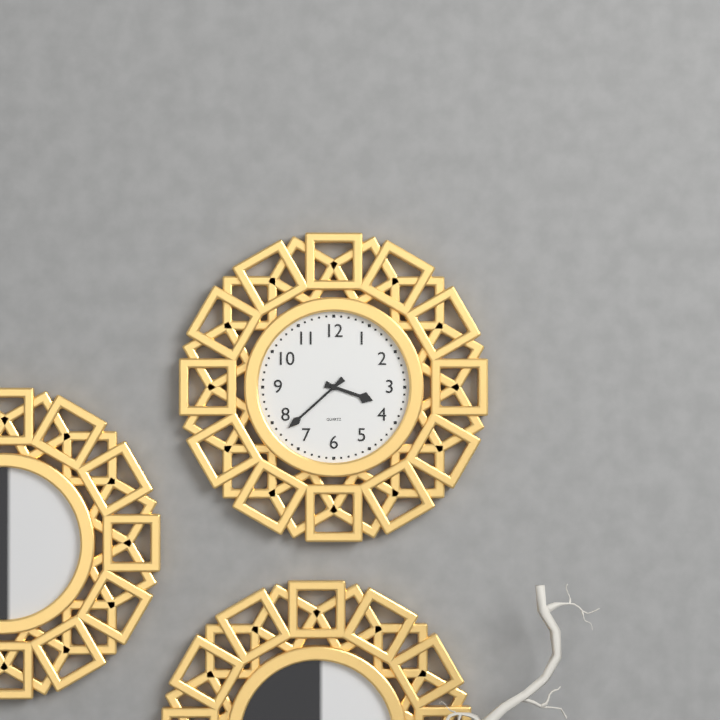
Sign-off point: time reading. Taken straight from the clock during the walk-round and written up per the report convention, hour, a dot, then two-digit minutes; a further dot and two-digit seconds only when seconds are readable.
3.38
